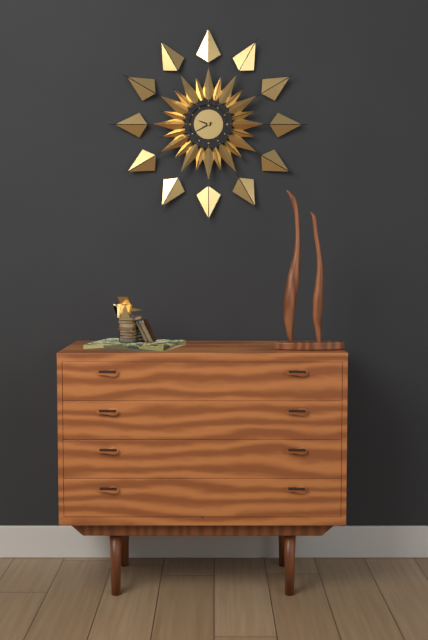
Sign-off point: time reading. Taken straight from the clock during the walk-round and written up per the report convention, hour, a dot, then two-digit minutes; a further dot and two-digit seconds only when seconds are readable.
9.40
